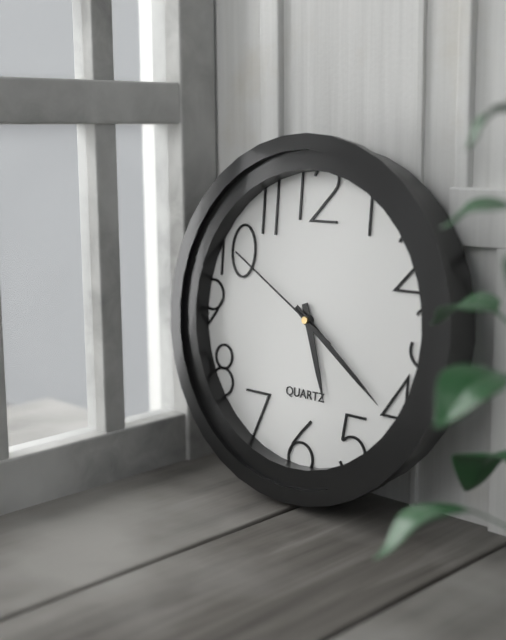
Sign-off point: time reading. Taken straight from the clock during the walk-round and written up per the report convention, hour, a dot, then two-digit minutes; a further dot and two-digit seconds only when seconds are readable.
5.21.50
